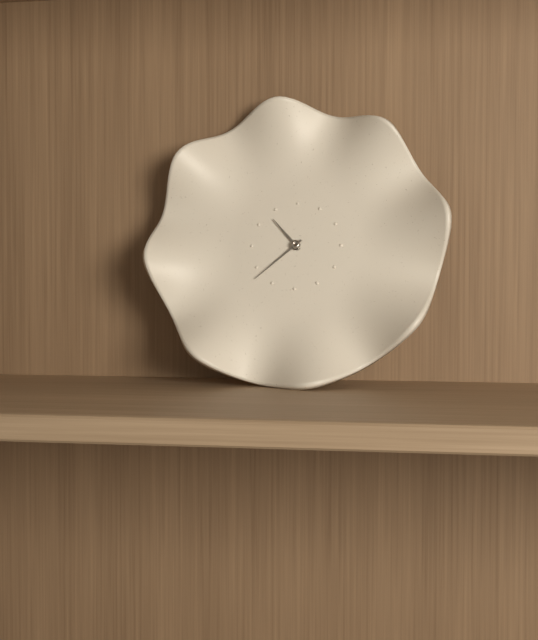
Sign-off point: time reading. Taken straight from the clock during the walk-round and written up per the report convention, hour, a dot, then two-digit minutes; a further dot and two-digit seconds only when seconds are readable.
10.38
